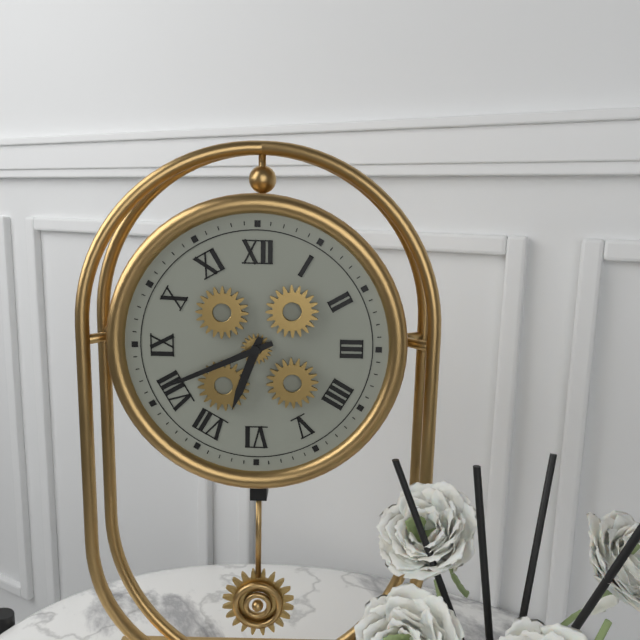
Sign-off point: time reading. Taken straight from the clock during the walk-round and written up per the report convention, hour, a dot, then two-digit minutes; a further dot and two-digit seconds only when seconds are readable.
6.41
